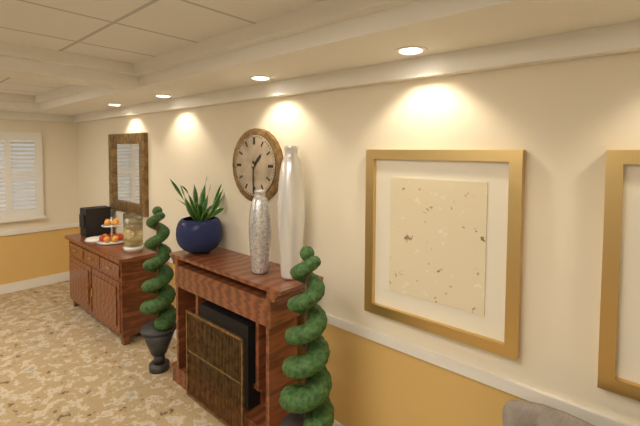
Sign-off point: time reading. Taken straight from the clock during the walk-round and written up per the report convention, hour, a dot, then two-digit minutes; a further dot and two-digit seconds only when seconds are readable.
1.30
